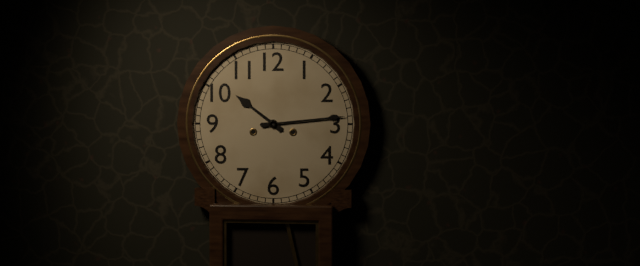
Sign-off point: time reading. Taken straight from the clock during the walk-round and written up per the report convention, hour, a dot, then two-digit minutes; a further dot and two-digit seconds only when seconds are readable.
10.14
